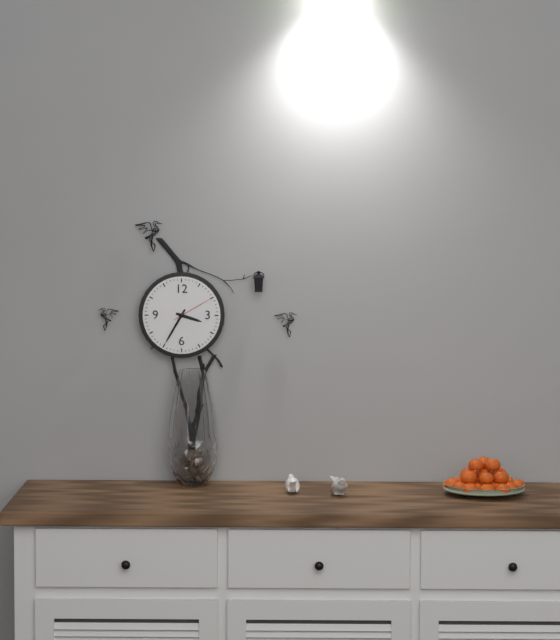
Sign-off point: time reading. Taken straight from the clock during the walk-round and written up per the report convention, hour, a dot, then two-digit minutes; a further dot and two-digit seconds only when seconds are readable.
3.35
